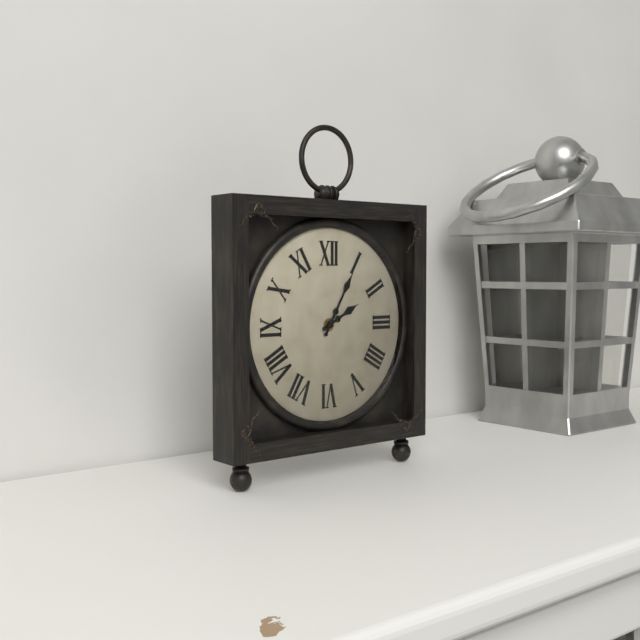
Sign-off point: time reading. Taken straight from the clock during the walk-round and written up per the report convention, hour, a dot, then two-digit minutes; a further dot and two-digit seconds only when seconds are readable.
2.05
